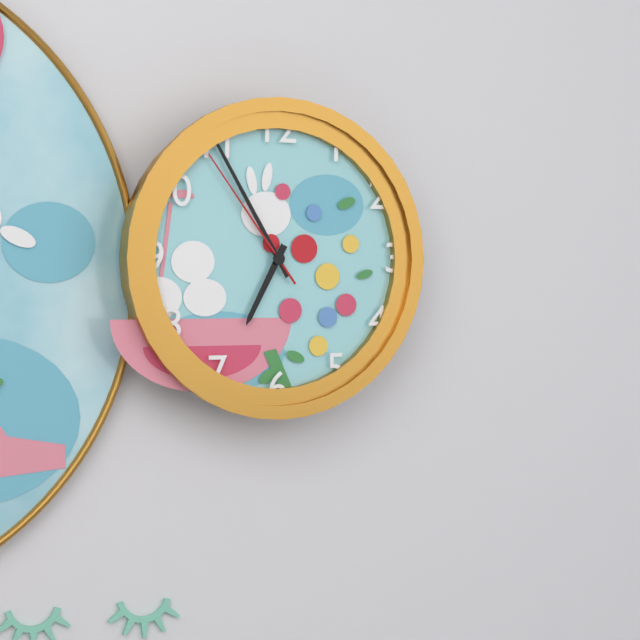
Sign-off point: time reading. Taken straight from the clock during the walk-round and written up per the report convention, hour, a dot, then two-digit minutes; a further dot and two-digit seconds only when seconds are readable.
6.55.54
